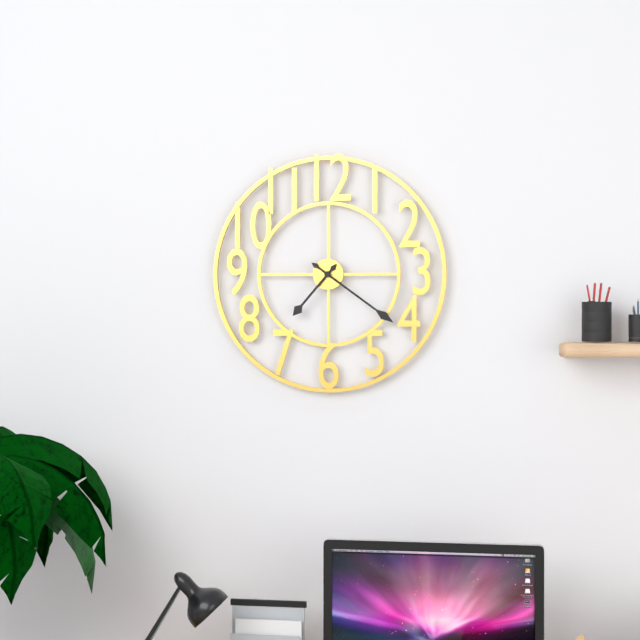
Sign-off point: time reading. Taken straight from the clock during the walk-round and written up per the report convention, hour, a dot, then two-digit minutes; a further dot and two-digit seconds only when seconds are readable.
7.21
